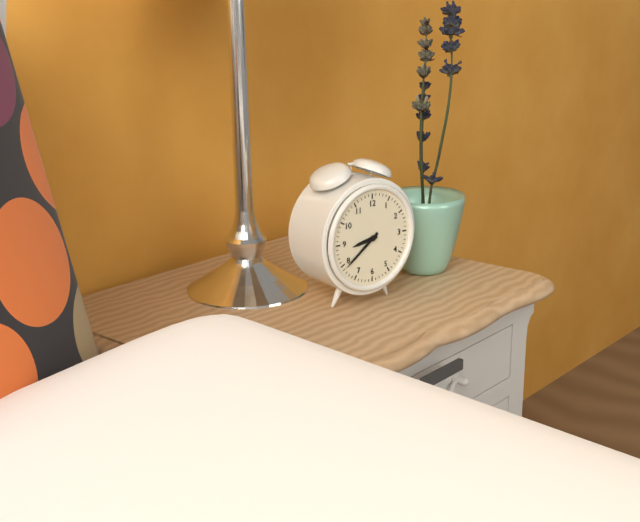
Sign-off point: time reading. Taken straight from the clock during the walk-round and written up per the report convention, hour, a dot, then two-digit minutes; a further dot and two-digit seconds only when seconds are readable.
8.39
